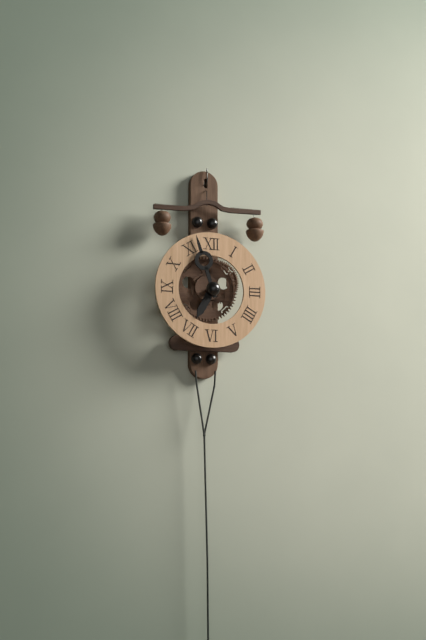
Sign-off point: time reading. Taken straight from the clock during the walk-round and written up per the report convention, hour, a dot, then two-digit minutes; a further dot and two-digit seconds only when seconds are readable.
6.57
